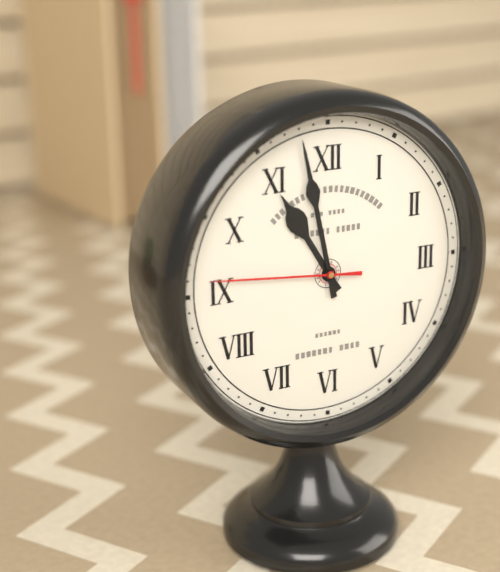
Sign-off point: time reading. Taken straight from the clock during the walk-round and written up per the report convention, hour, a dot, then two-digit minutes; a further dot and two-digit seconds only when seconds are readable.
10.58.46
